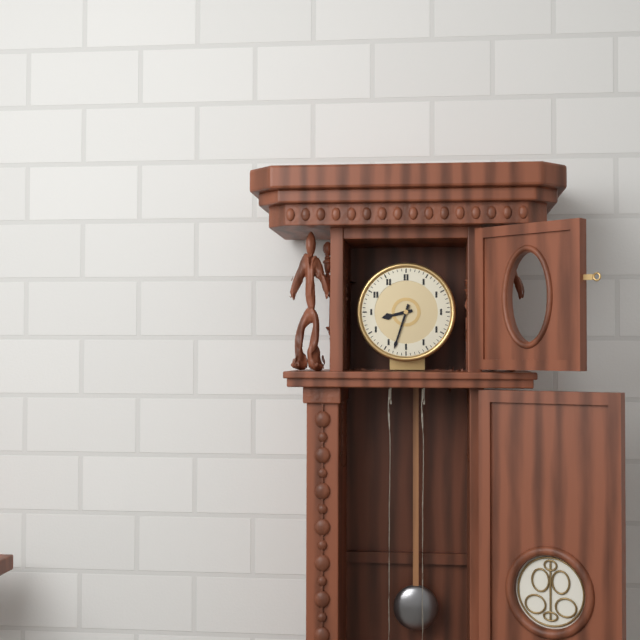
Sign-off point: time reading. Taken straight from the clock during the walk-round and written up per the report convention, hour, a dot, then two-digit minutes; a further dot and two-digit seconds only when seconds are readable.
8.33
